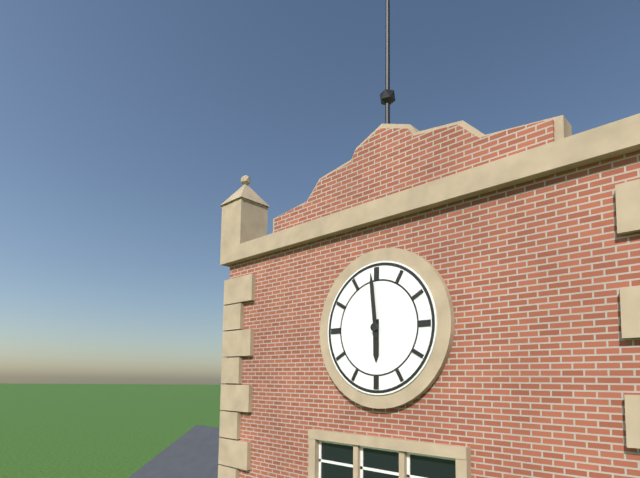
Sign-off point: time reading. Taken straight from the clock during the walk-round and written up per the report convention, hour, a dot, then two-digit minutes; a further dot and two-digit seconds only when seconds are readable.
5.59
